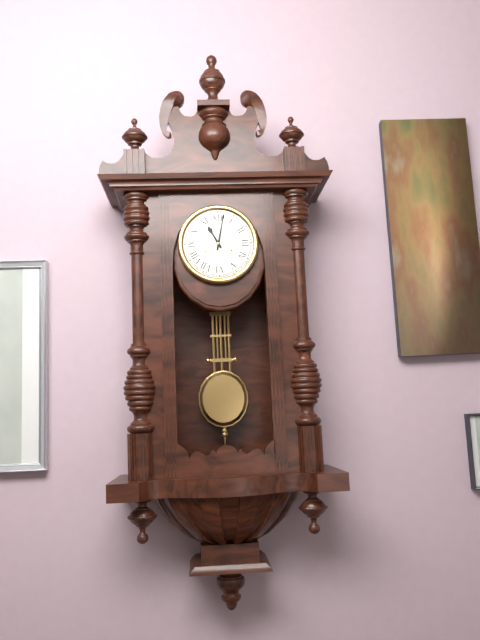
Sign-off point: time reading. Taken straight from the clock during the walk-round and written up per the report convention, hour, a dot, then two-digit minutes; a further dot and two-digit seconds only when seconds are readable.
11.02
